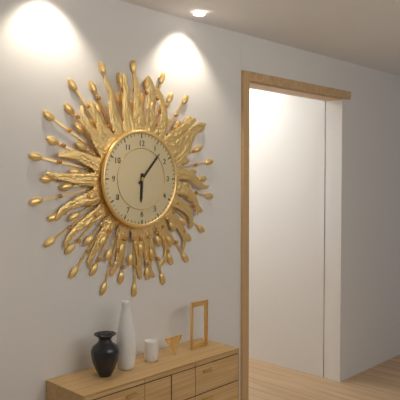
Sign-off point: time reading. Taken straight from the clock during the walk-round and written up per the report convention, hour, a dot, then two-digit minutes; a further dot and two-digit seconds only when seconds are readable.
6.07
